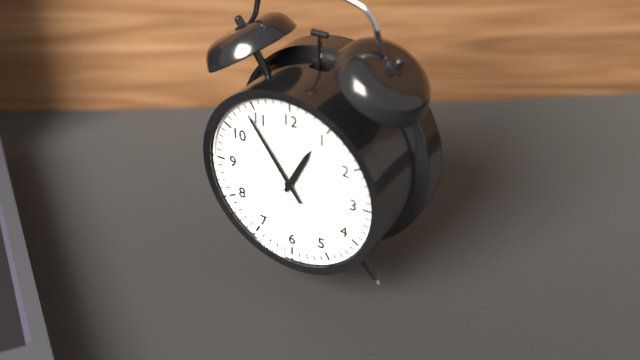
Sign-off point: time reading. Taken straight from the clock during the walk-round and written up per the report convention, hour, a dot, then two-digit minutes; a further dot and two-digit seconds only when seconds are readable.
12.54
